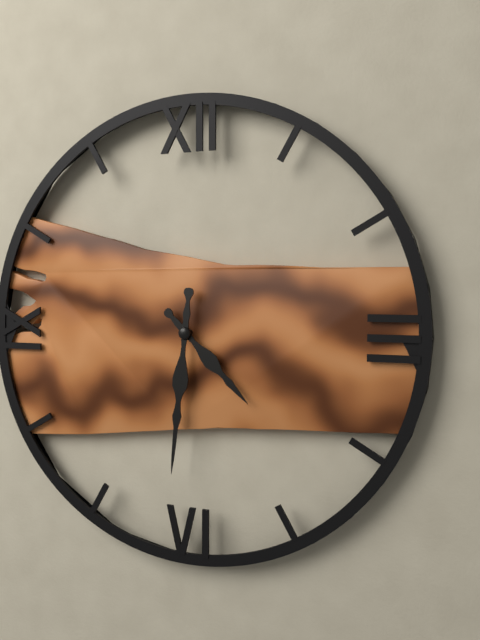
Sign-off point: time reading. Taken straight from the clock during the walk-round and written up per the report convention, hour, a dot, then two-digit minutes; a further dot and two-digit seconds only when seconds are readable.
4.31
